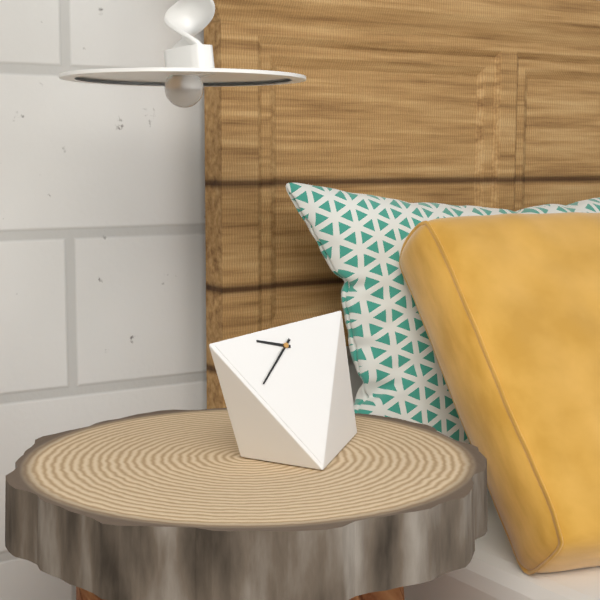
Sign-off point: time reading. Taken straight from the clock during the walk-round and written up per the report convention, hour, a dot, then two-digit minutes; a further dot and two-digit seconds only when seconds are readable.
9.39
